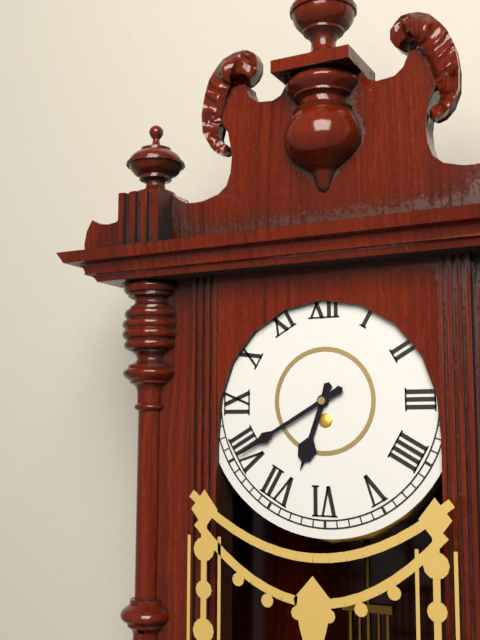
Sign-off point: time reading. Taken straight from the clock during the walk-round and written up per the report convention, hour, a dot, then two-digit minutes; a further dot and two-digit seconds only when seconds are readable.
6.40
